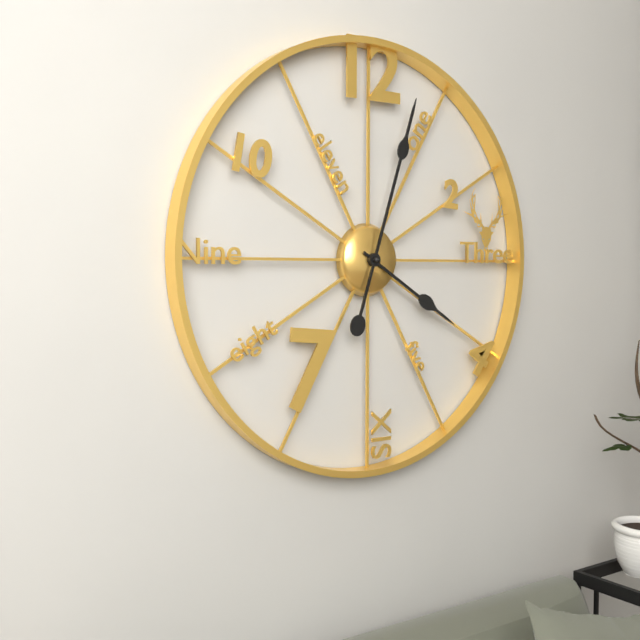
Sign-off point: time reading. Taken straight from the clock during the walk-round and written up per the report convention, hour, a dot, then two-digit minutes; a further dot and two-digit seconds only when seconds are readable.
4.03
